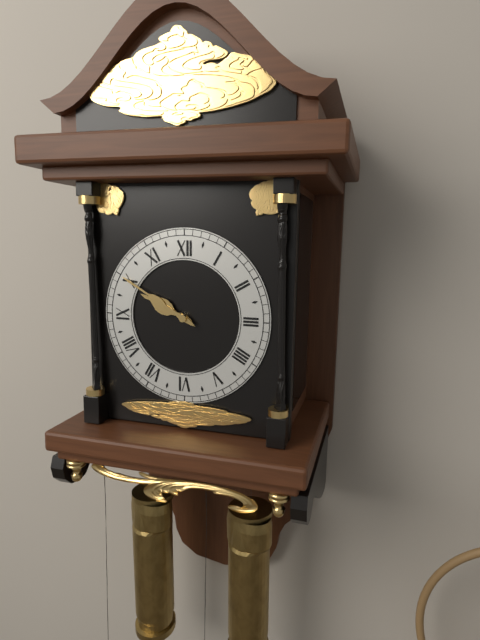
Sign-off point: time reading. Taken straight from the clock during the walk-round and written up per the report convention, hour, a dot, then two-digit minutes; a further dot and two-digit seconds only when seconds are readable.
9.50
